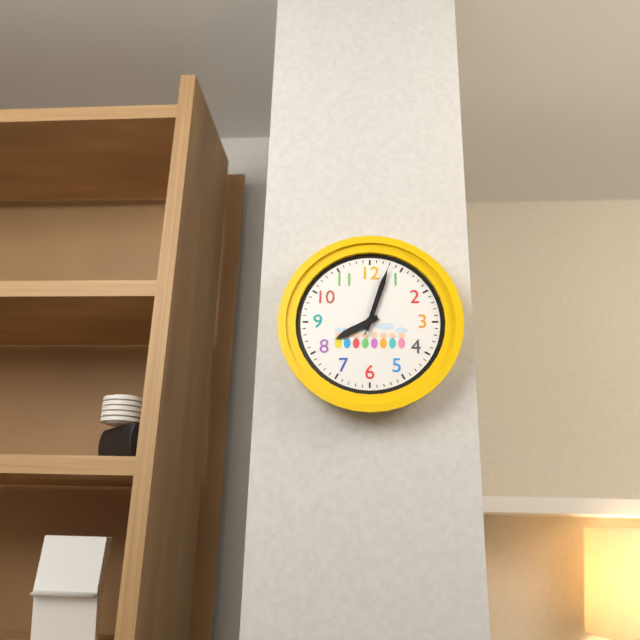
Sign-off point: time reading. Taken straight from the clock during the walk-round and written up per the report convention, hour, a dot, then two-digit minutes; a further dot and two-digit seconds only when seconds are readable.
8.03.03
